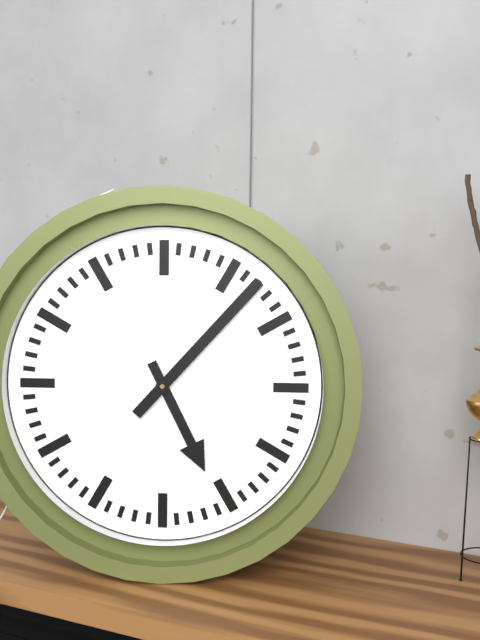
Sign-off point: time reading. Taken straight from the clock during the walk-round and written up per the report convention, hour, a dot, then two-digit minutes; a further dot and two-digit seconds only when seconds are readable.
5.07
